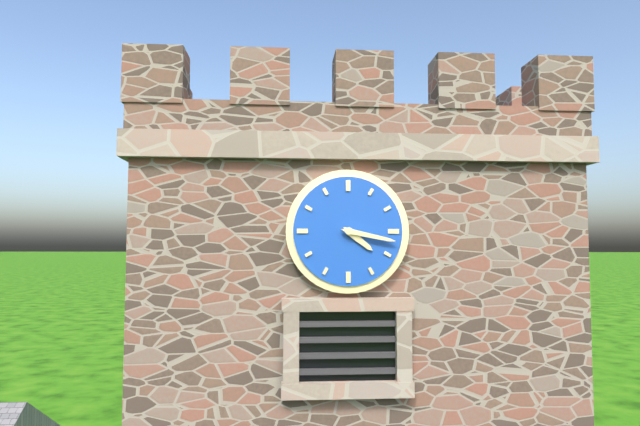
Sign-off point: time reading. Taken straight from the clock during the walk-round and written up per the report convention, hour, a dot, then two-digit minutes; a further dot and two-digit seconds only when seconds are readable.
4.17
